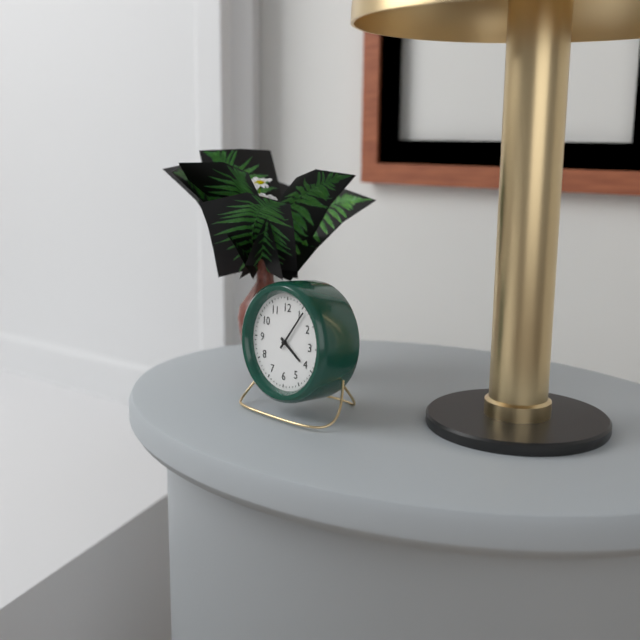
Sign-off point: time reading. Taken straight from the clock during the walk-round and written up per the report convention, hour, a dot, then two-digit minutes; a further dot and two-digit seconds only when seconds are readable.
4.06
